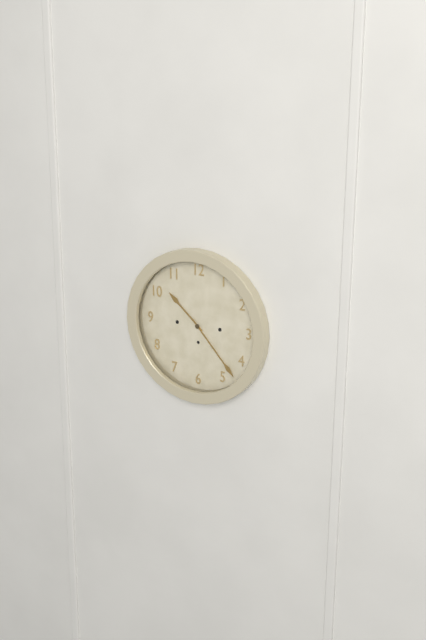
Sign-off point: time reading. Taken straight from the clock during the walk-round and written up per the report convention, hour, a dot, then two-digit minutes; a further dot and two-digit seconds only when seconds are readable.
10.23
